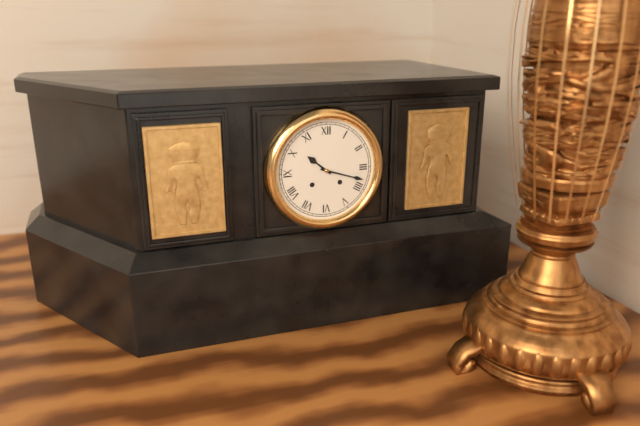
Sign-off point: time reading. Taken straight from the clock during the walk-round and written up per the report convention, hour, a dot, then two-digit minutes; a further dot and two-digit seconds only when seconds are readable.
10.18
